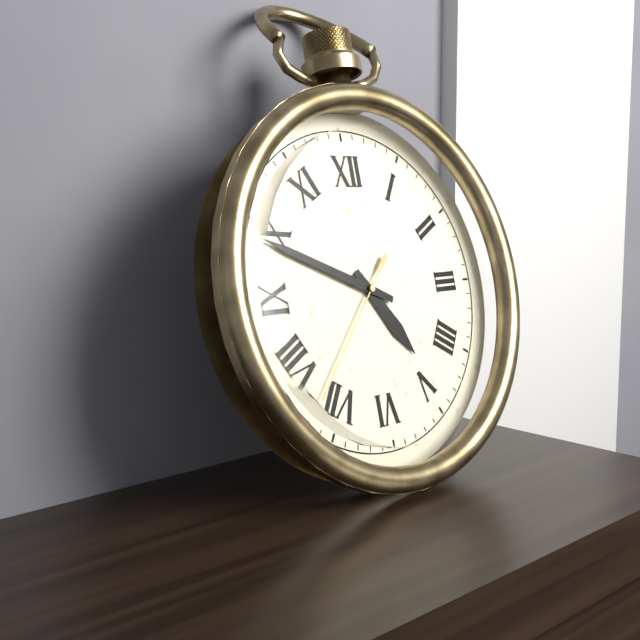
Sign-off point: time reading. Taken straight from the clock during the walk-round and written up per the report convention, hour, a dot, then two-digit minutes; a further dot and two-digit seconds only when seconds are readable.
4.49.37
